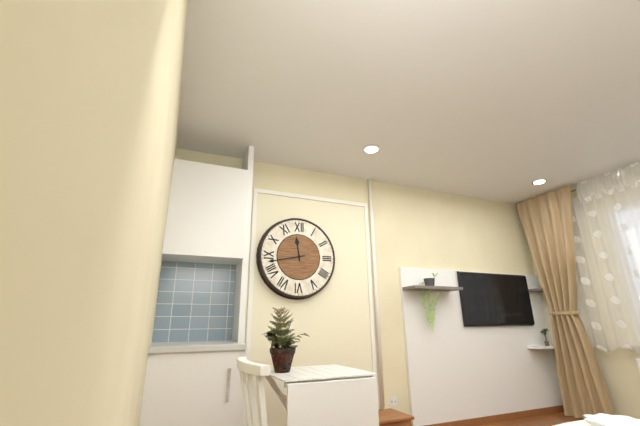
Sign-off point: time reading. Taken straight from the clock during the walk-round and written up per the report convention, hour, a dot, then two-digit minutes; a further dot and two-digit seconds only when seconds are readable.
11.43
